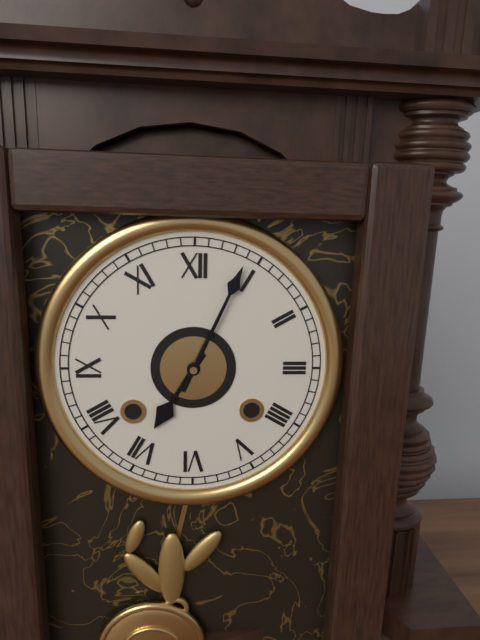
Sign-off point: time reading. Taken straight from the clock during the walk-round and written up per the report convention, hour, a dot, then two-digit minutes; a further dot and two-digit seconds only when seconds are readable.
7.04
